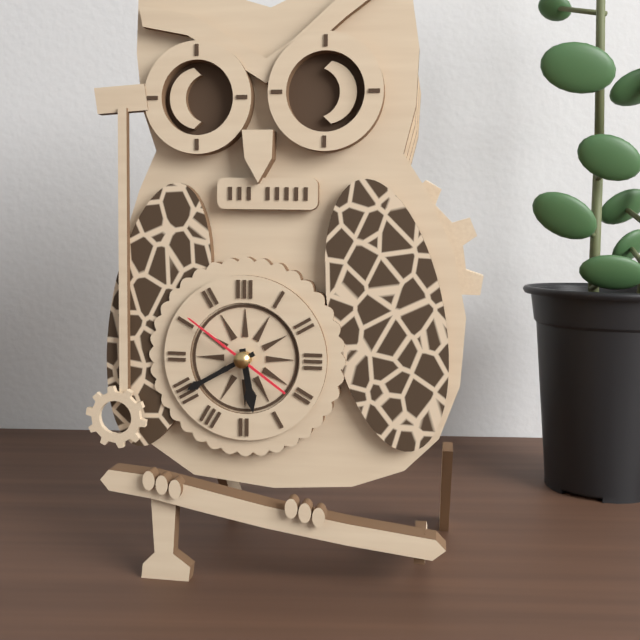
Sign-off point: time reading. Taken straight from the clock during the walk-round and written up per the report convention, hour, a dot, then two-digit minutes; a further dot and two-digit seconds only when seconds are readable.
5.40.51
